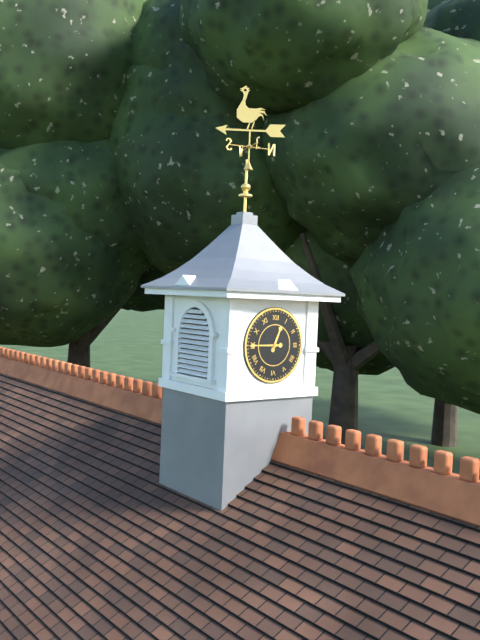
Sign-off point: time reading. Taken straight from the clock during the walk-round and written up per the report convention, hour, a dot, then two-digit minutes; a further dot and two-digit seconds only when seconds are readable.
12.45
